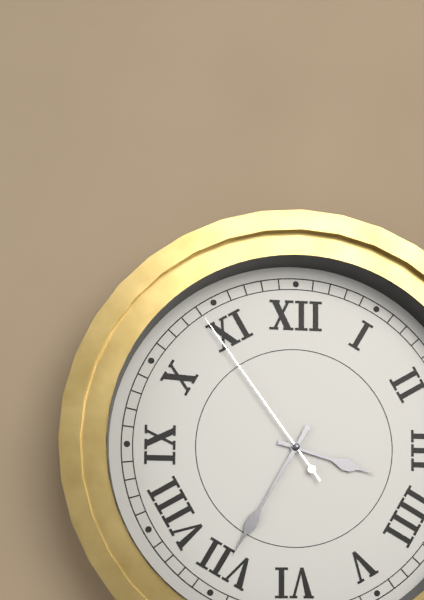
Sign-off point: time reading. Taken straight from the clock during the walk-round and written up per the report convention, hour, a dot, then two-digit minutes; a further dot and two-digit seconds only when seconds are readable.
3.35.54
